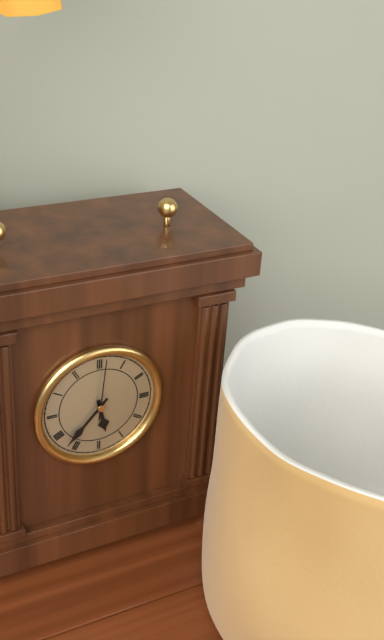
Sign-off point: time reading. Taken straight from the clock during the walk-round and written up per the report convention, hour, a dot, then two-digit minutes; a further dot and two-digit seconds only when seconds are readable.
5.37.01
